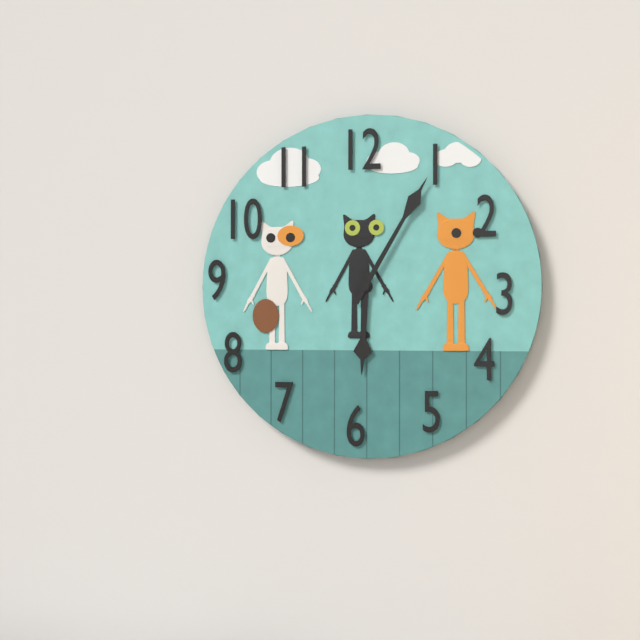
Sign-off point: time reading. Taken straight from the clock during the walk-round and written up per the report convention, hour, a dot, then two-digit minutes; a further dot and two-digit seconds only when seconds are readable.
6.05
